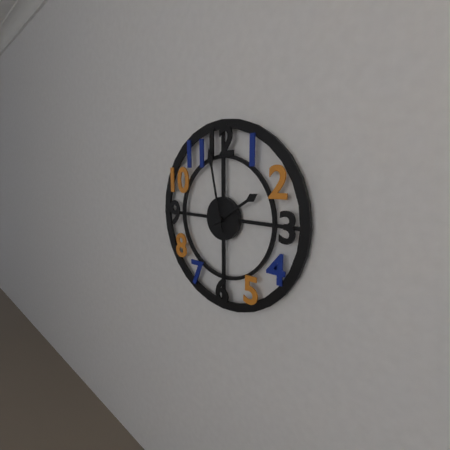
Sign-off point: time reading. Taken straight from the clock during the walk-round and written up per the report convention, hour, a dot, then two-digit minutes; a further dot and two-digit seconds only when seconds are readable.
1.58
